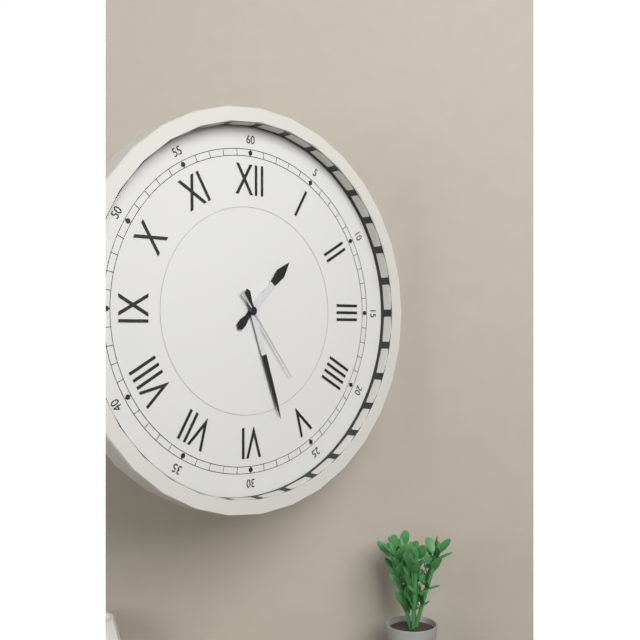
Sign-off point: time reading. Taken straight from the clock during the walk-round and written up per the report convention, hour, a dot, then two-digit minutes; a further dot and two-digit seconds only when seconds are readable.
1.27.24
